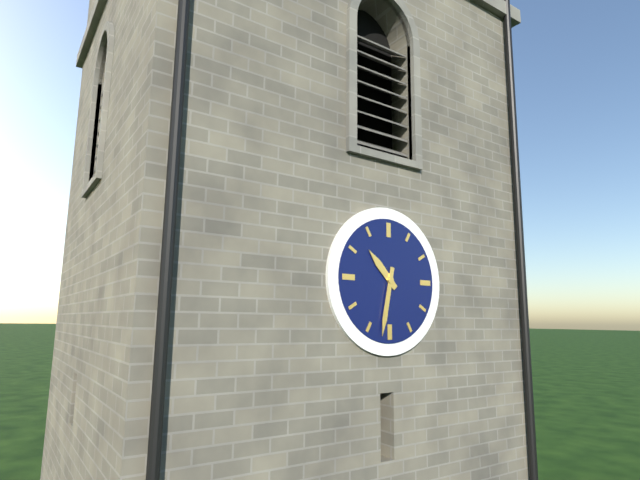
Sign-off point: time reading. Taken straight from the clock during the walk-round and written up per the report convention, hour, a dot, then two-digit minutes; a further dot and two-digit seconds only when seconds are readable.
10.32
